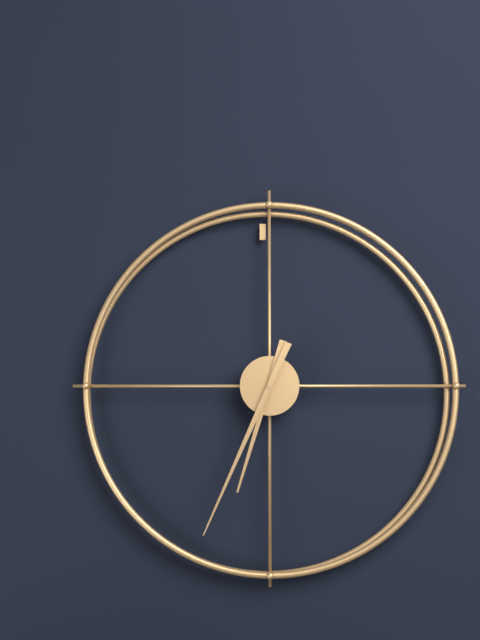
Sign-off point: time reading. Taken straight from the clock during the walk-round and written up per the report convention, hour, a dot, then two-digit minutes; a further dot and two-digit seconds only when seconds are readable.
6.34
